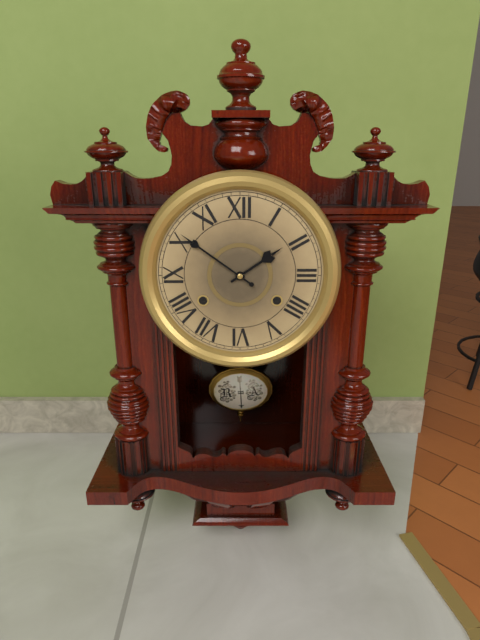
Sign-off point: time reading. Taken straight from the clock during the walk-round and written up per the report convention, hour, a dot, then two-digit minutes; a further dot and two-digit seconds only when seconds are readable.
1.51
